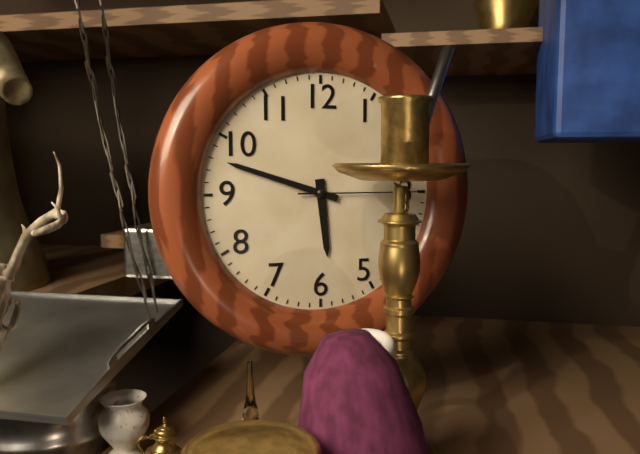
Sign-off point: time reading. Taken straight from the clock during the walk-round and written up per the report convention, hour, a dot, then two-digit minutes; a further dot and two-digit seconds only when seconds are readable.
5.48.15
